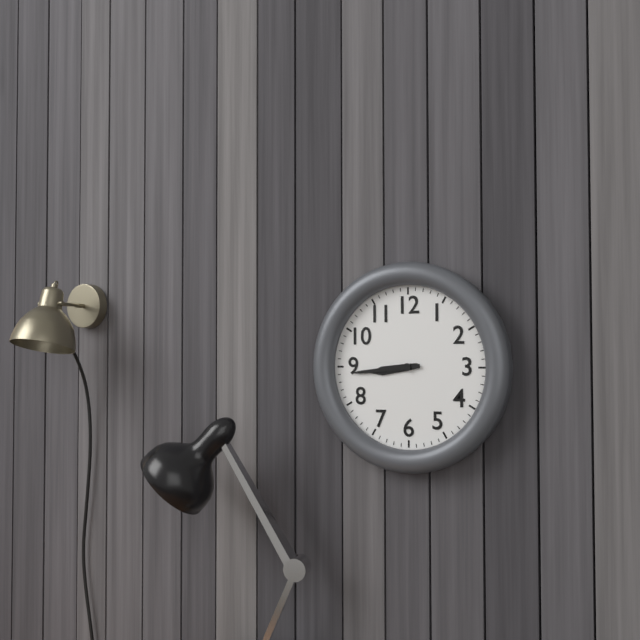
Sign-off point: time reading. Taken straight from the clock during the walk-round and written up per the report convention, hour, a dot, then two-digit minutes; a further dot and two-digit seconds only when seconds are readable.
8.44
